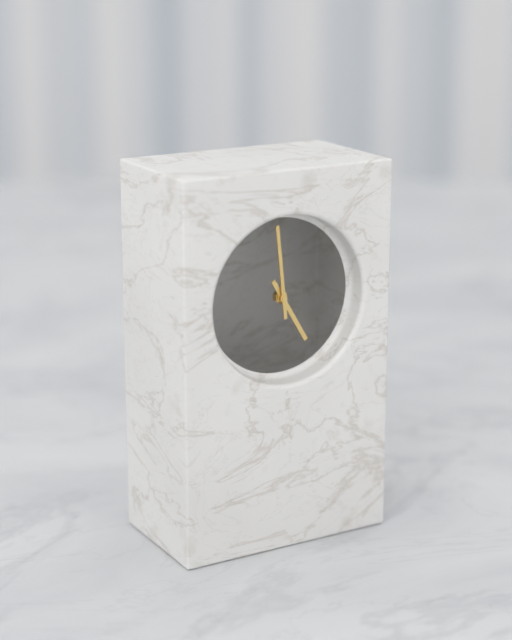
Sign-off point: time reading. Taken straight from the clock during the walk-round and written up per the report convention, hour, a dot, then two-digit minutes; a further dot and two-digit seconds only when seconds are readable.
4.59
